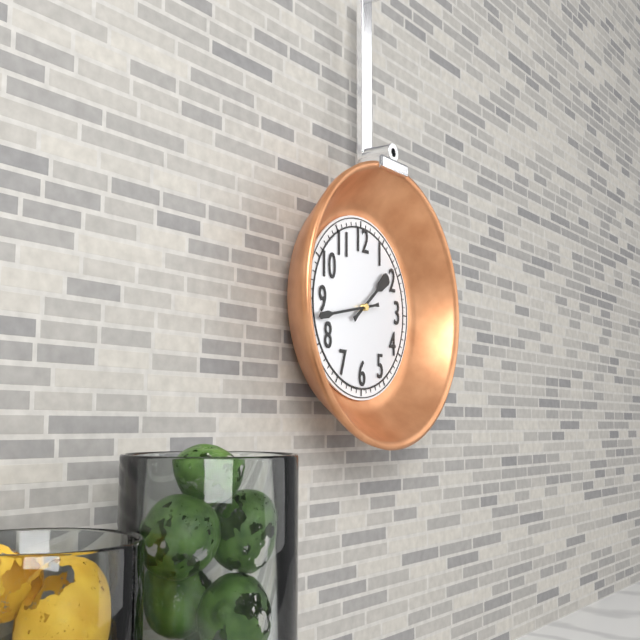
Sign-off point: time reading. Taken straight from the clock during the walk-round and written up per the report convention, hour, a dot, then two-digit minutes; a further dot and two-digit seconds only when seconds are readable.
1.43
